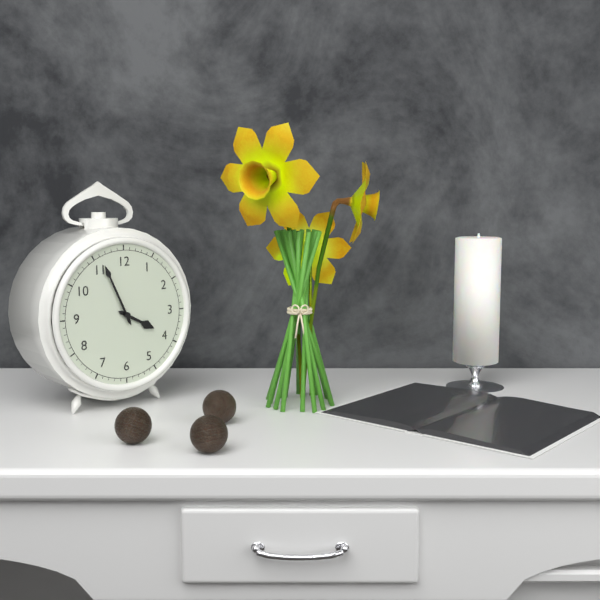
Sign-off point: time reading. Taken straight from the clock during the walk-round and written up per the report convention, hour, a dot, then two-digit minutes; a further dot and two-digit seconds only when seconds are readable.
3.56
